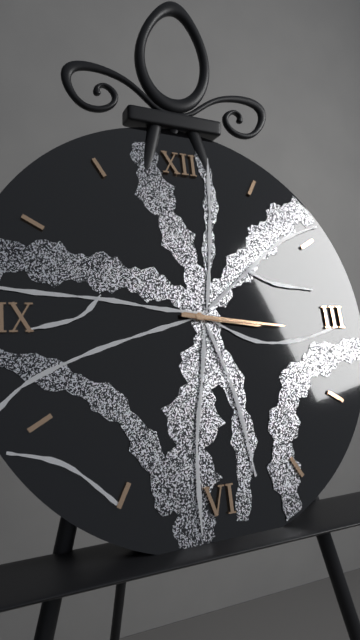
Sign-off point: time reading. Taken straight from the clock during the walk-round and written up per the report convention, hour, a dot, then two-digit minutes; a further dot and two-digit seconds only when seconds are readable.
3.16
